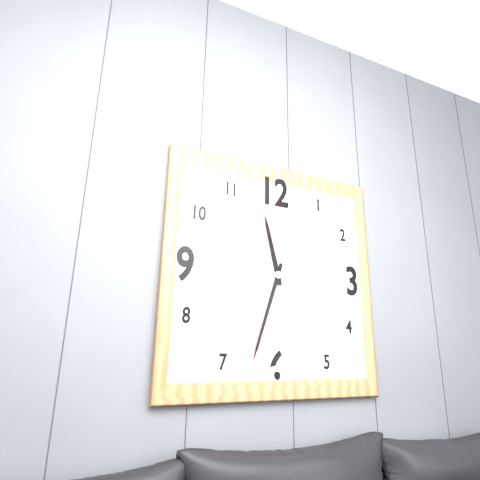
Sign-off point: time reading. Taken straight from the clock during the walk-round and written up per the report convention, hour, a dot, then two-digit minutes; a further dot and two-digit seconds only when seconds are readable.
11.33
